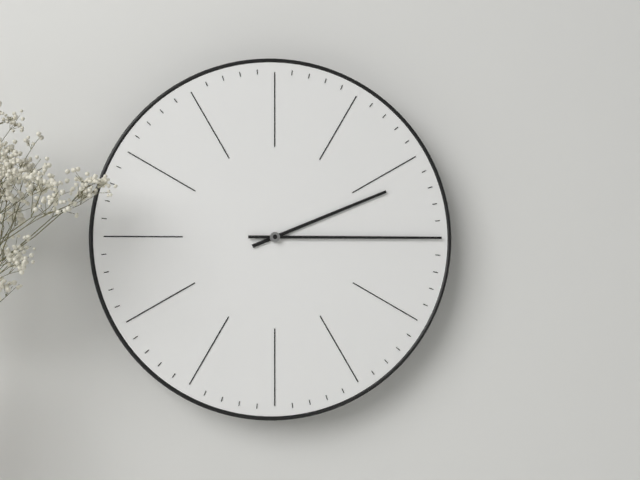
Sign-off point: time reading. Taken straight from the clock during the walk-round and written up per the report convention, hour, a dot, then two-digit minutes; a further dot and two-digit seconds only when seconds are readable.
2.15
